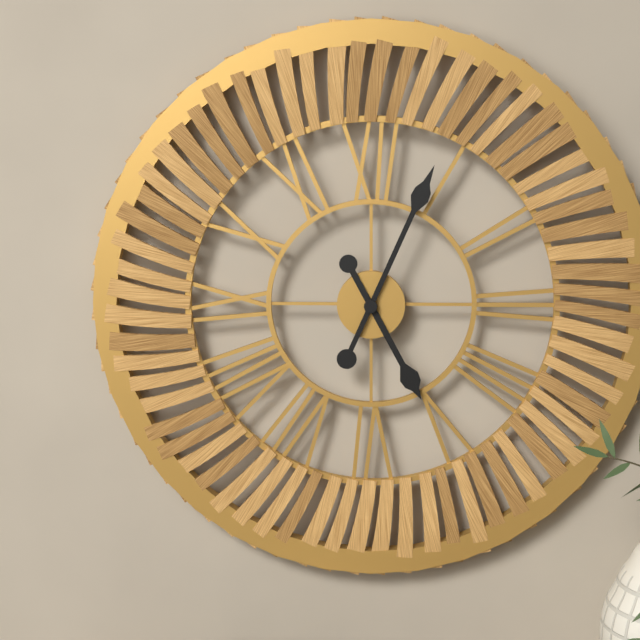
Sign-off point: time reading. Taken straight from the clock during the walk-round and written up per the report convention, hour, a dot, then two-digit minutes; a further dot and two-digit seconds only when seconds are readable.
5.04
